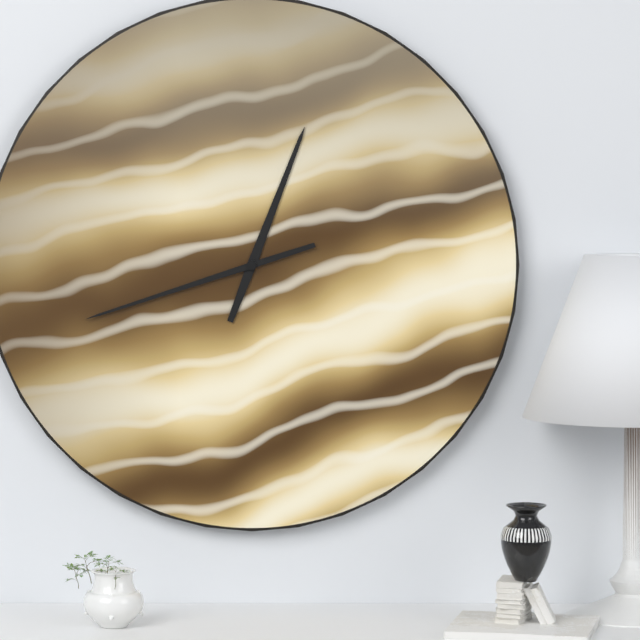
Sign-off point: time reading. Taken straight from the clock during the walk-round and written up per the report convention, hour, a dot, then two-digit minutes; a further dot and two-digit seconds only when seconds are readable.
12.42
